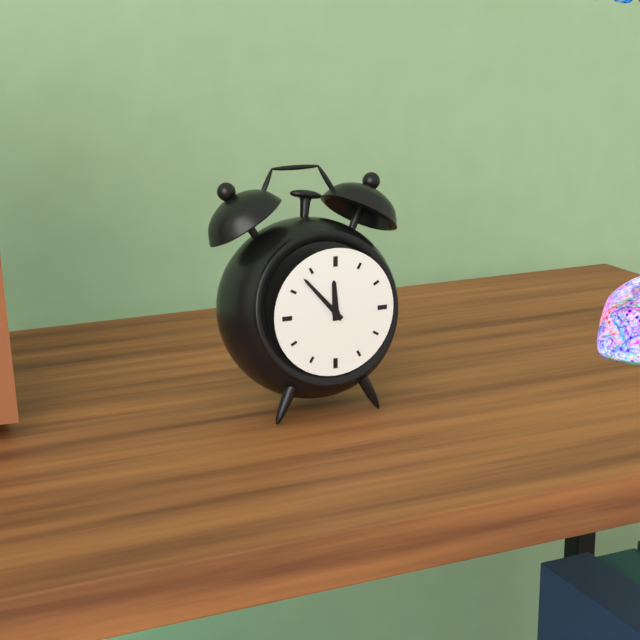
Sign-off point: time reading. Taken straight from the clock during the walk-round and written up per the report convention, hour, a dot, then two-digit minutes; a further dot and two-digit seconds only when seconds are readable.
11.53
